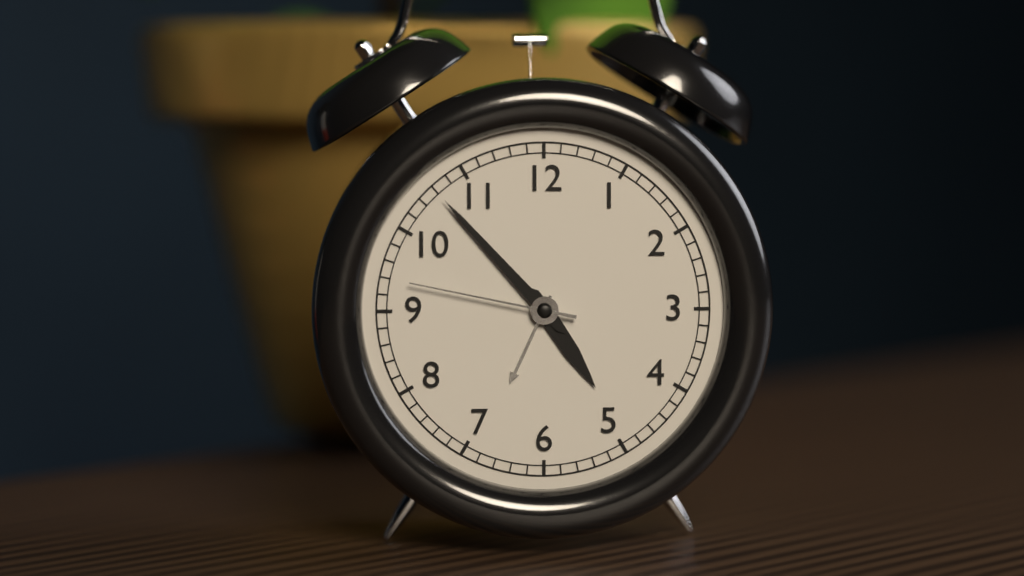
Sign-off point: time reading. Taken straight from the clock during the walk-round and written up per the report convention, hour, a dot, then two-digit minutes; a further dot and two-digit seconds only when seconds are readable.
4.53.47
